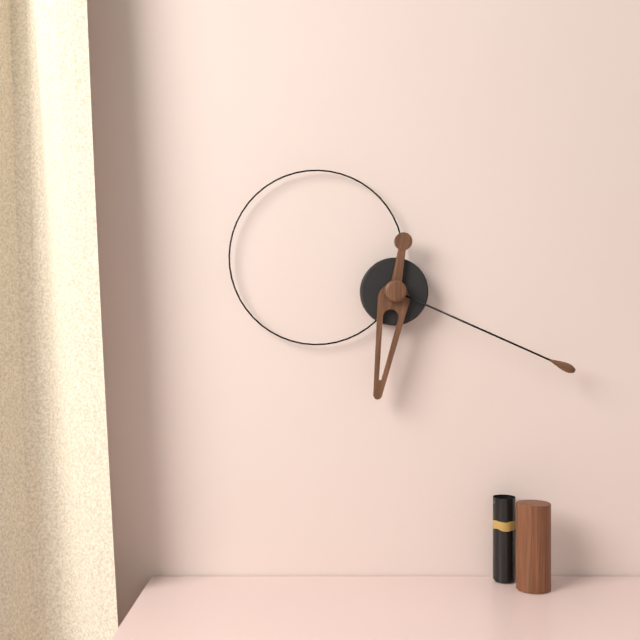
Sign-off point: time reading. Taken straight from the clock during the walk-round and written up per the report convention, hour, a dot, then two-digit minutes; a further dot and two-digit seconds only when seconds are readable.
6.19
